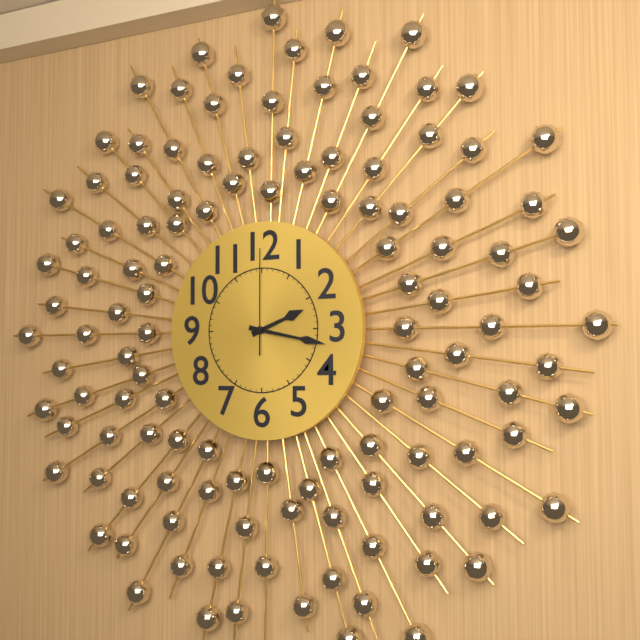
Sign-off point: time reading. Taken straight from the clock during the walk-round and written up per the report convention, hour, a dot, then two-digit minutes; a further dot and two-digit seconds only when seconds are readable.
2.17.00
